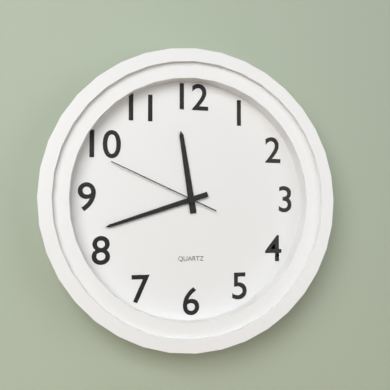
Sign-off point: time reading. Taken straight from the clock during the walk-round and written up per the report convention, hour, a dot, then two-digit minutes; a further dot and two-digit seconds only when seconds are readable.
11.42.49
